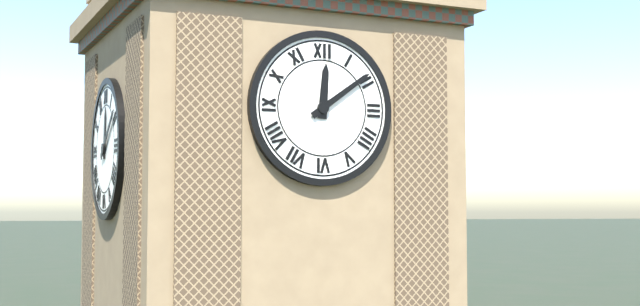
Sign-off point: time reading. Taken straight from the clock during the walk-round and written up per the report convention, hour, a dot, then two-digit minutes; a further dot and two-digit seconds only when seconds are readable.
12.09
